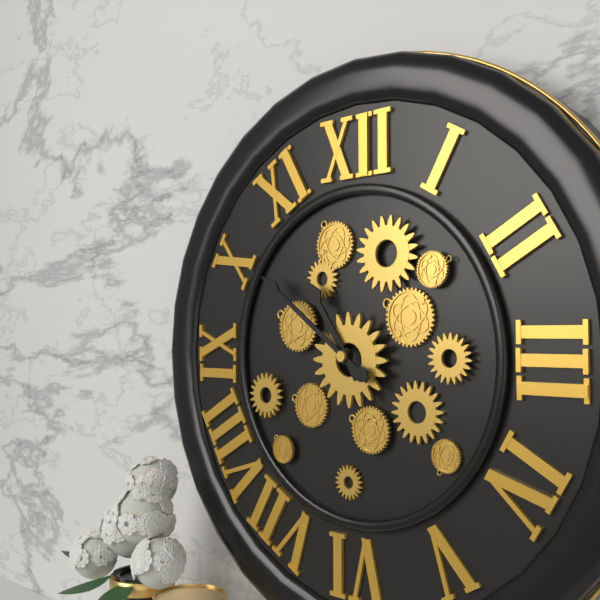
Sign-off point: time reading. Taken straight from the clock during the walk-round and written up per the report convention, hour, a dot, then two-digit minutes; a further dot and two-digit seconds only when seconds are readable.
10.51
